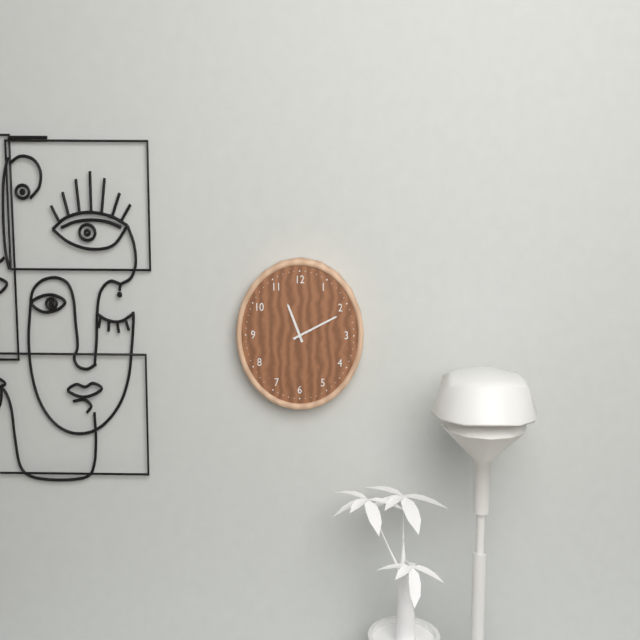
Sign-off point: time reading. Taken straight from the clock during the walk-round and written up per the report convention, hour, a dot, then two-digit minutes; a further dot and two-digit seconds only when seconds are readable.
11.11
